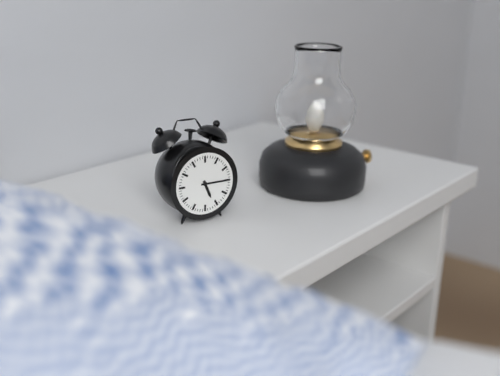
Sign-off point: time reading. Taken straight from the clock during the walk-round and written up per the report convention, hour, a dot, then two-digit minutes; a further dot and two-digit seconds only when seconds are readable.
5.15
